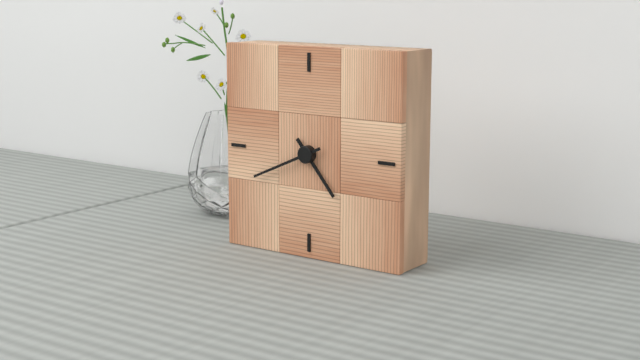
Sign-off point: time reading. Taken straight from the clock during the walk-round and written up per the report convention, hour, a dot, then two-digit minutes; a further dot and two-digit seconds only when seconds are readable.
4.41
